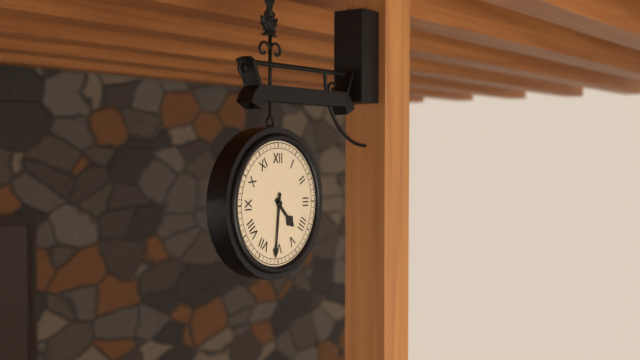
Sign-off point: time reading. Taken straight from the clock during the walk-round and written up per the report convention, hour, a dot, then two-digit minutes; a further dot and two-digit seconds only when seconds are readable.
4.31
